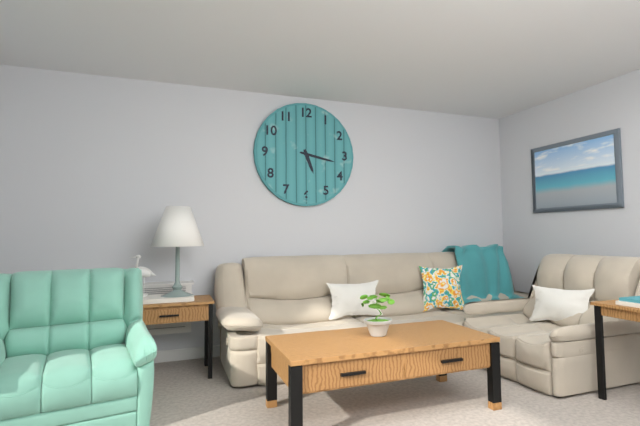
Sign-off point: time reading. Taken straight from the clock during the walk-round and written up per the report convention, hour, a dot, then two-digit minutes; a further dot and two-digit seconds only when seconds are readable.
5.17
